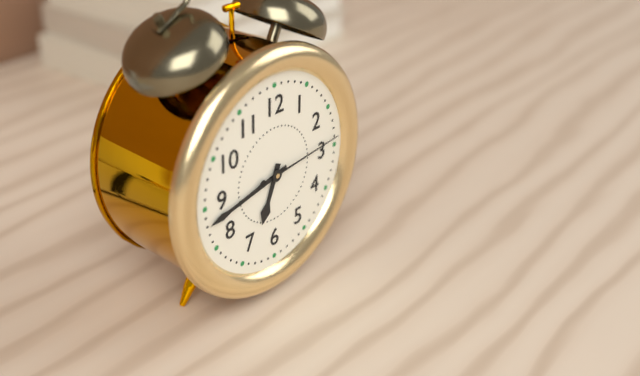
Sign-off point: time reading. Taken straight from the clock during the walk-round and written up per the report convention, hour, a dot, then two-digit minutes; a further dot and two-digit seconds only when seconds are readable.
6.43.14
